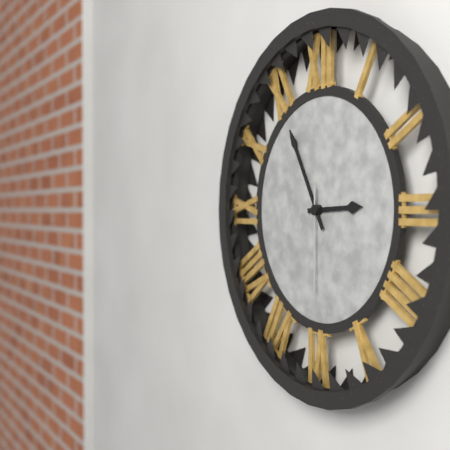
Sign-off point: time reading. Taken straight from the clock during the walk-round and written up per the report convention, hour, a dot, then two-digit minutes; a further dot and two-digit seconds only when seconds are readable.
2.55.30
